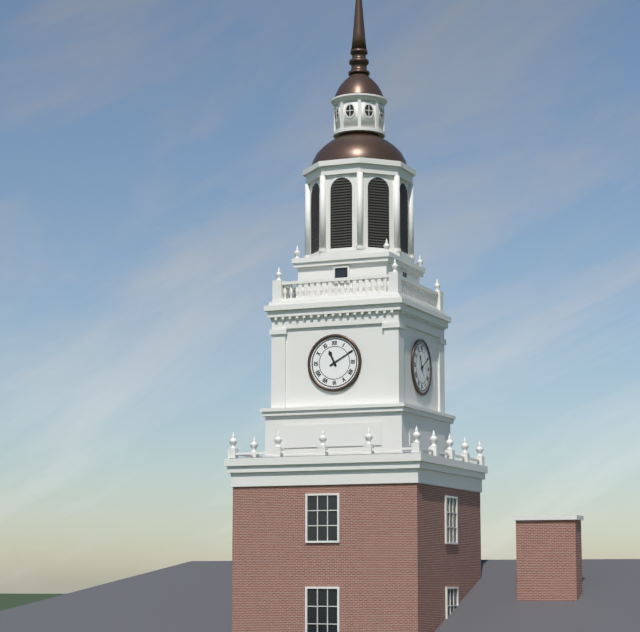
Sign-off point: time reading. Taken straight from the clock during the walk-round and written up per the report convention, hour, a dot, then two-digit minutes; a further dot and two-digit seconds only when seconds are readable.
11.10
